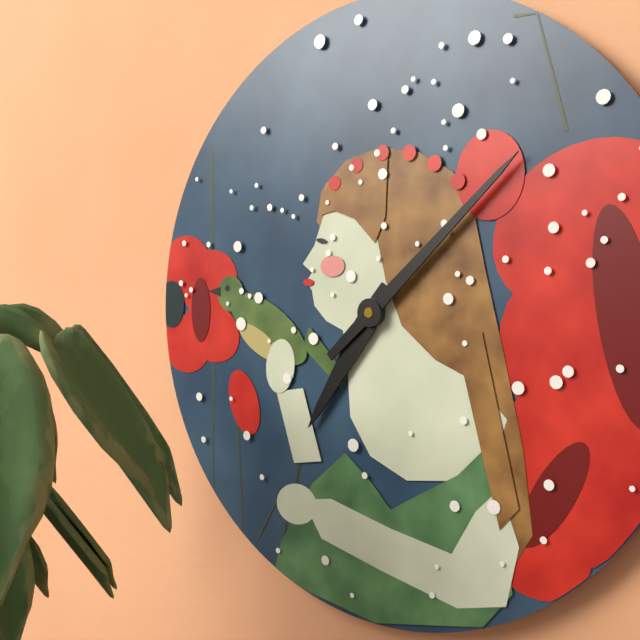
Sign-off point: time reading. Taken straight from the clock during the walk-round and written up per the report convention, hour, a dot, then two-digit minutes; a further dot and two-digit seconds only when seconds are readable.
7.08
